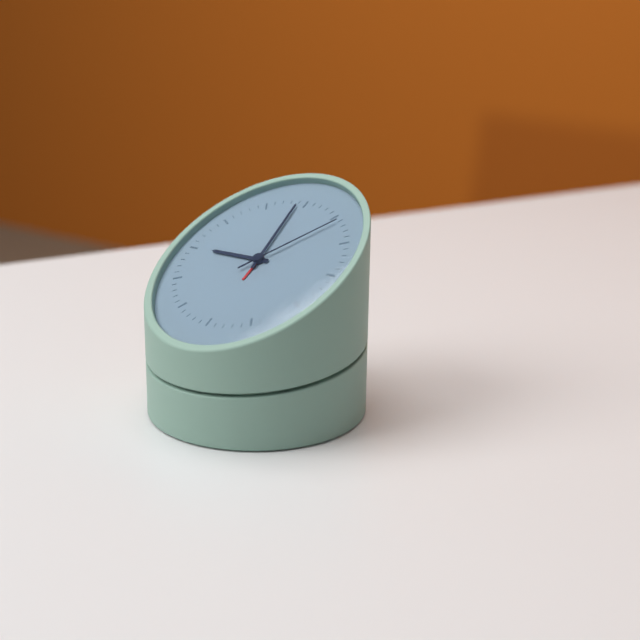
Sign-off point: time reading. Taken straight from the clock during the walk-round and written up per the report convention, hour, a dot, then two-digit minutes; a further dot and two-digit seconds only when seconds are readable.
8.59.06
